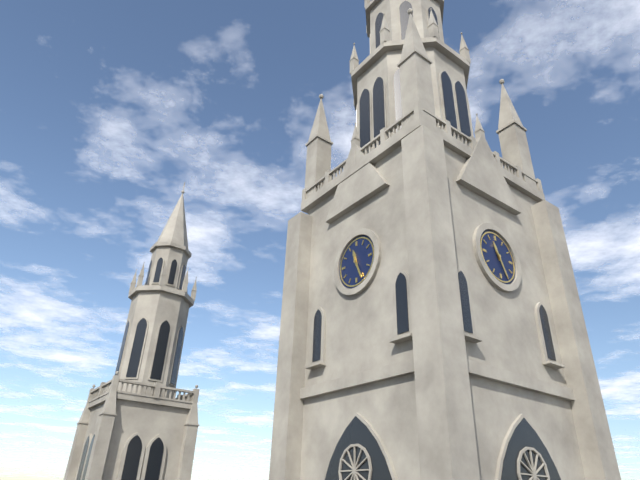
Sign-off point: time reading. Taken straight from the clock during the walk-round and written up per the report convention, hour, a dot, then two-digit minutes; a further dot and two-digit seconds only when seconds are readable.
11.26
